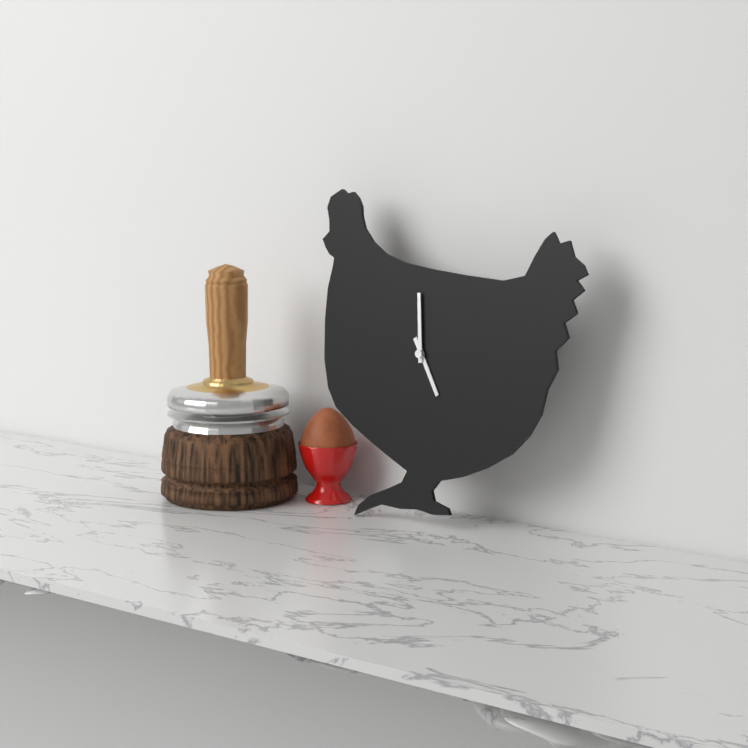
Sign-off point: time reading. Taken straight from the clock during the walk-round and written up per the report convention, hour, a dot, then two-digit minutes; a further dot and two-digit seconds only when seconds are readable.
4.59
